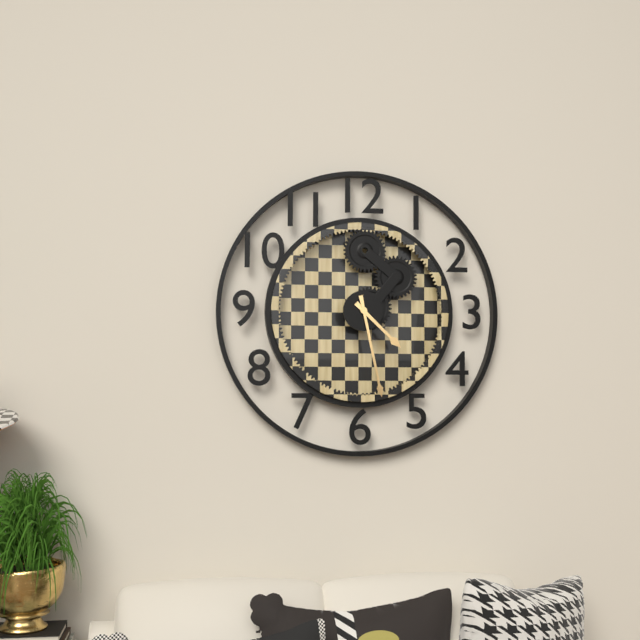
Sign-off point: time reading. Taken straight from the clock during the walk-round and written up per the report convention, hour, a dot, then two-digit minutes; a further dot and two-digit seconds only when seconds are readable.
4.28
